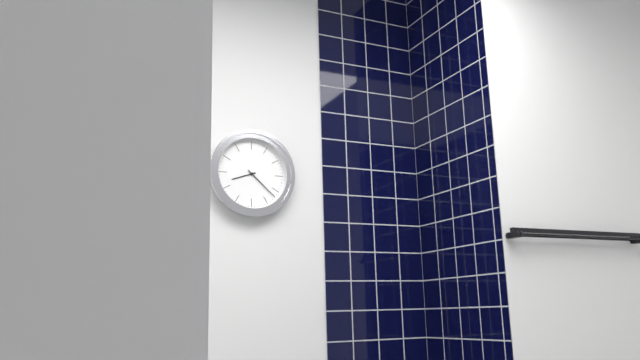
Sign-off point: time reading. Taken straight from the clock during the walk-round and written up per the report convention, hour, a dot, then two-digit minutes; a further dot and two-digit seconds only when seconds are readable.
8.22
